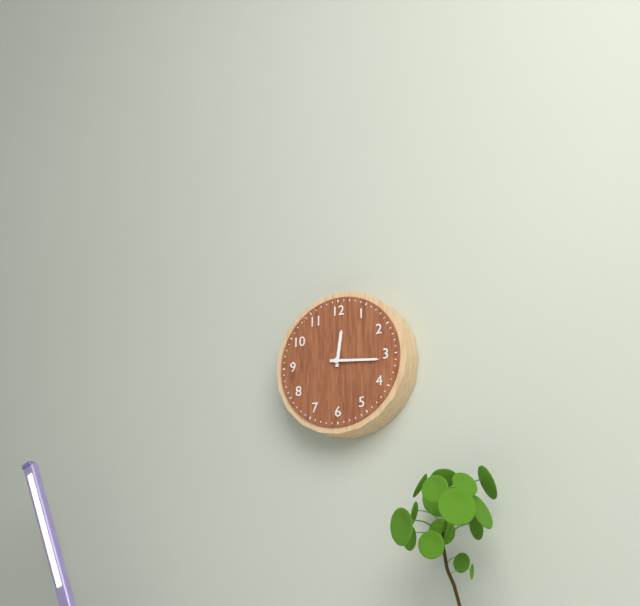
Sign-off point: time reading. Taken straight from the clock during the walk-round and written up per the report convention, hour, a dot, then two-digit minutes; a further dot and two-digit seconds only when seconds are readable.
12.16
